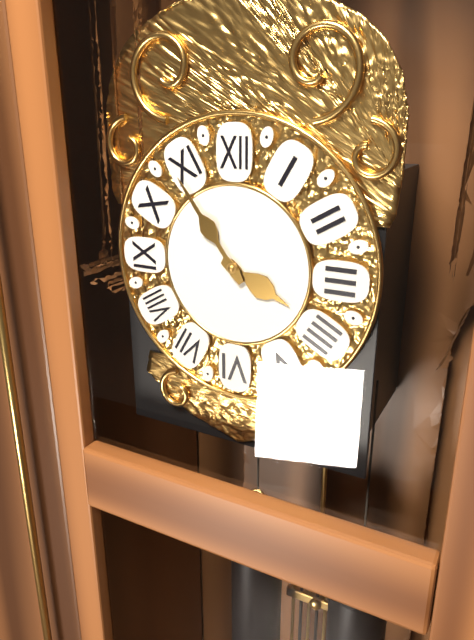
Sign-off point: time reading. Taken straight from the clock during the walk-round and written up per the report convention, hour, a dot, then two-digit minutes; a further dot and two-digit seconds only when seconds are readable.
3.54
